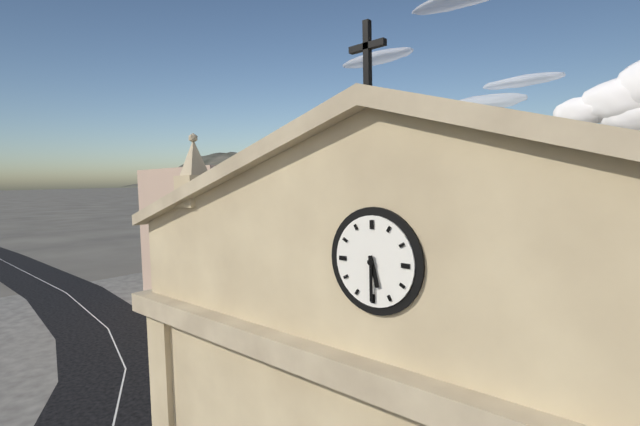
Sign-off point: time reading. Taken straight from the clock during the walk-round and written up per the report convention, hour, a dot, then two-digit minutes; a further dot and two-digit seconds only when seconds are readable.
5.30
